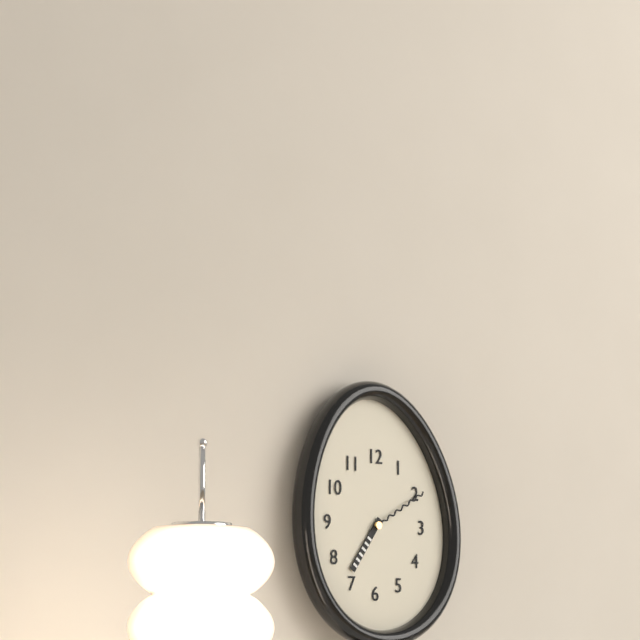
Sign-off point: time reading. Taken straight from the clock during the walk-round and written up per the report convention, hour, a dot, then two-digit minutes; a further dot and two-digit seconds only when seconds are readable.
7.10
